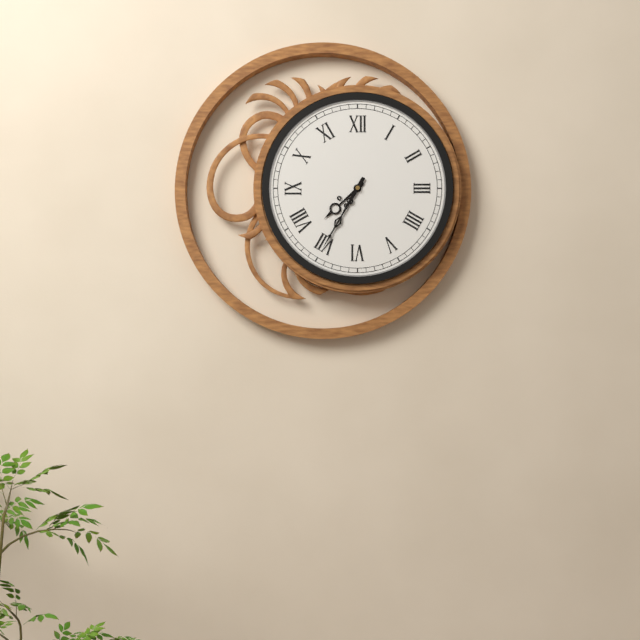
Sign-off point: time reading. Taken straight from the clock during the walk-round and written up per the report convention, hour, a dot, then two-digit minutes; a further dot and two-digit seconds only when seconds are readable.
7.35
